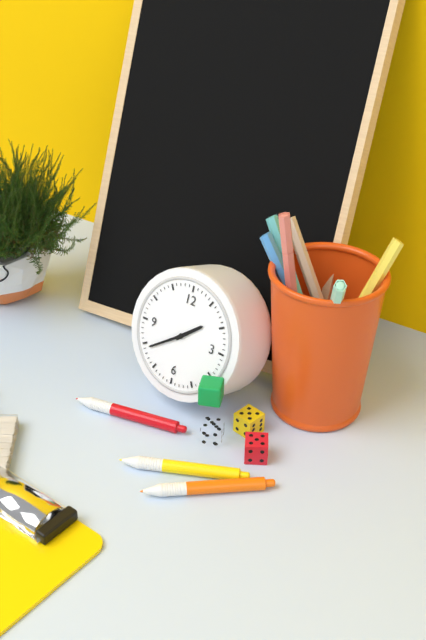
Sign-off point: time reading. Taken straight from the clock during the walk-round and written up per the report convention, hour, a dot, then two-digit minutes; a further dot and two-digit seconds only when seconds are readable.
1.39
